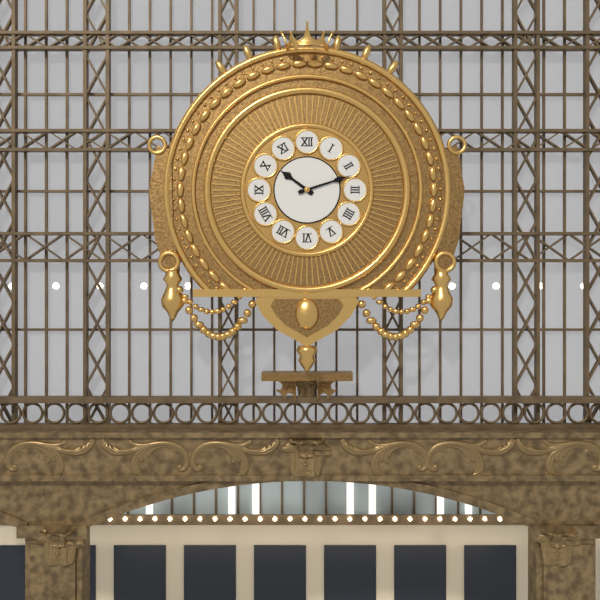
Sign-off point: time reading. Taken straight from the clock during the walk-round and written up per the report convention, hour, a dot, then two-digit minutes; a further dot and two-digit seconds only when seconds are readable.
10.12
